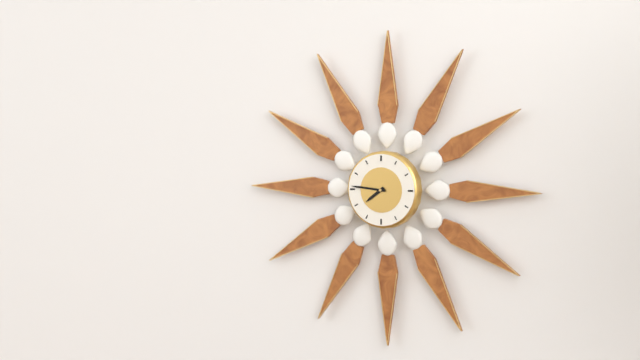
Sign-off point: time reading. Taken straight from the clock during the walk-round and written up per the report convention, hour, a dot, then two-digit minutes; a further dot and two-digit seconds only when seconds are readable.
7.46
